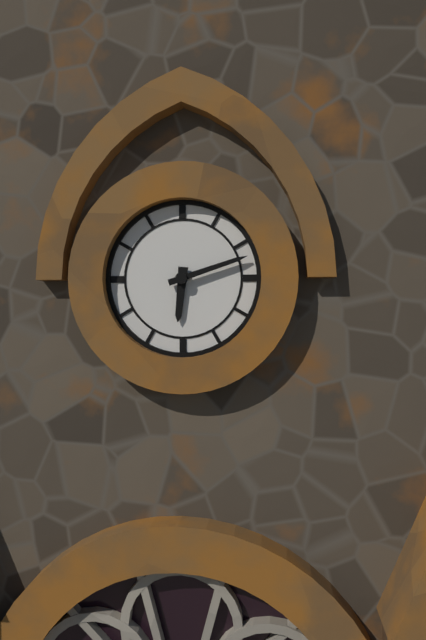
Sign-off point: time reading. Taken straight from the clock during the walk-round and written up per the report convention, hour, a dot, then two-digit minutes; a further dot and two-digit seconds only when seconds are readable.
6.12
